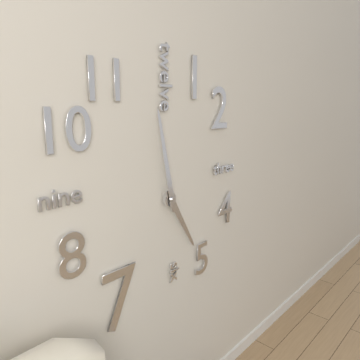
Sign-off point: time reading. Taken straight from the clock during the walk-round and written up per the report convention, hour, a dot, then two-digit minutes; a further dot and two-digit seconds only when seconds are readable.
4.58
